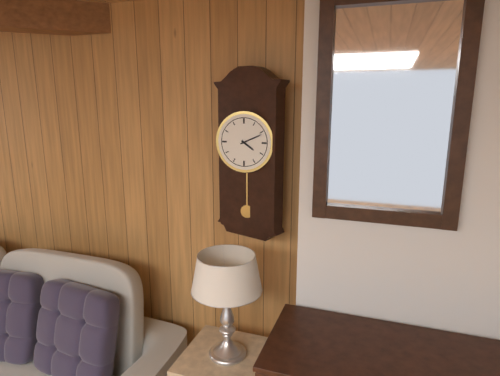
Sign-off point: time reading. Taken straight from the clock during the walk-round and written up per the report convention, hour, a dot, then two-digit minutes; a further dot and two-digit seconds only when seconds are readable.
4.11
